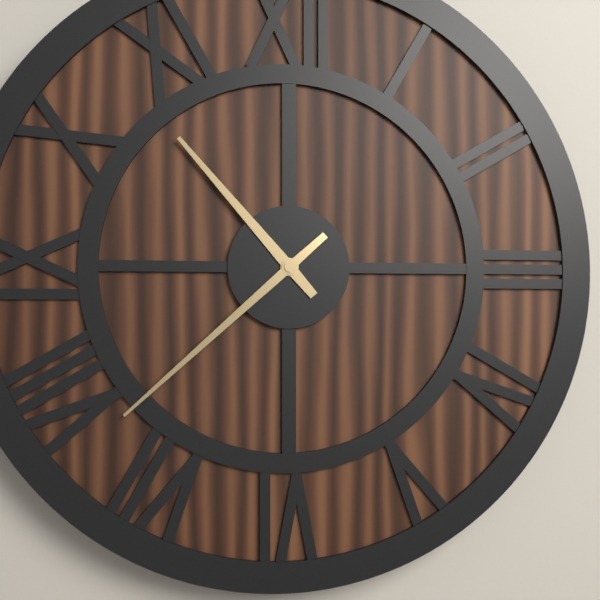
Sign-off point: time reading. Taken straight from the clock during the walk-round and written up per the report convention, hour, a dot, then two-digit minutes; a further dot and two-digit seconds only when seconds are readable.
10.38
